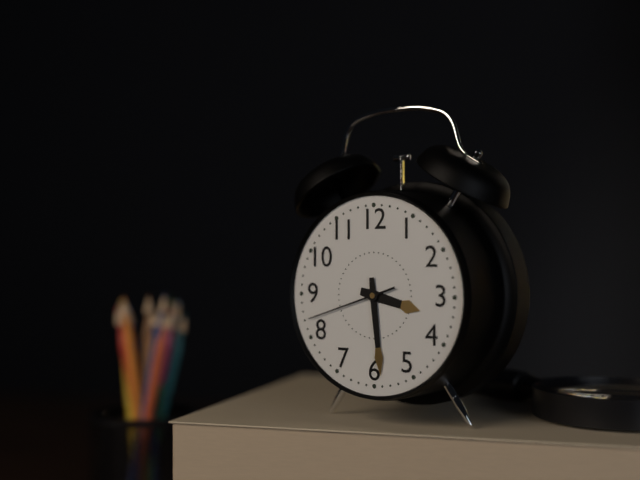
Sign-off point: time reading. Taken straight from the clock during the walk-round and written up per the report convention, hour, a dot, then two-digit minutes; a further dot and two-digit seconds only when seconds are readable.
3.29.42
